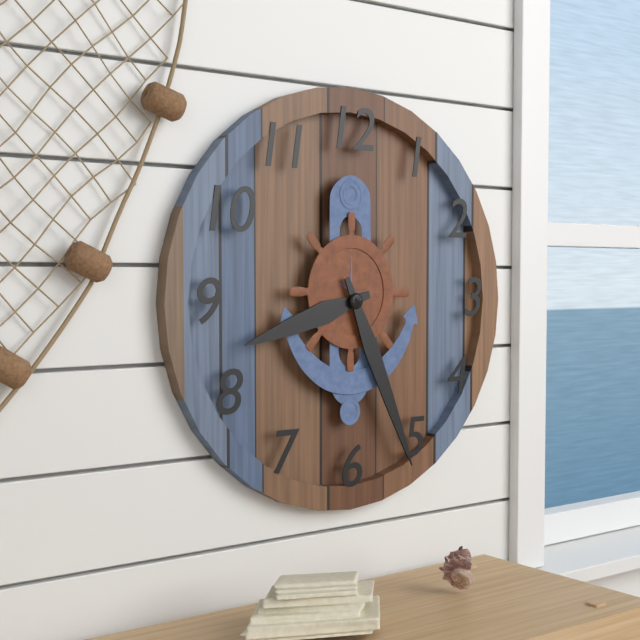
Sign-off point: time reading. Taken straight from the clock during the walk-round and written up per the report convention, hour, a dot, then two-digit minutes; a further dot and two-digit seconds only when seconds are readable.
8.26
